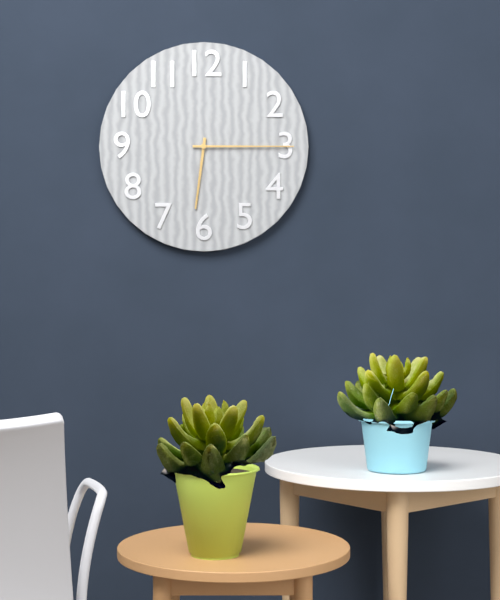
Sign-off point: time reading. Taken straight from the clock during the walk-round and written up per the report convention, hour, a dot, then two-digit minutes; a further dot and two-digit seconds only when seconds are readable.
6.15
